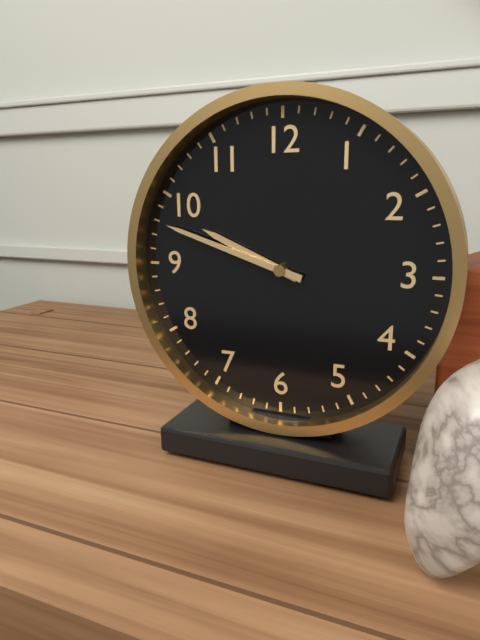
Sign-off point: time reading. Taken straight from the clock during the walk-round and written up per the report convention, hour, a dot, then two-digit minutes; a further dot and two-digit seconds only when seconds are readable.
9.48
